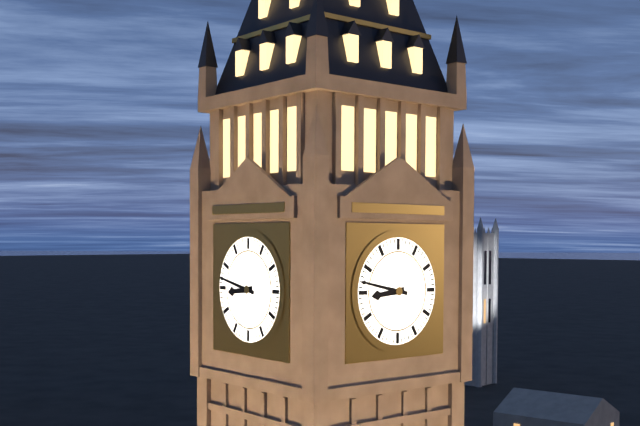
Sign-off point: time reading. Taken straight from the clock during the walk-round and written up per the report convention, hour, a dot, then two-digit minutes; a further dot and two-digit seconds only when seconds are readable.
8.47
